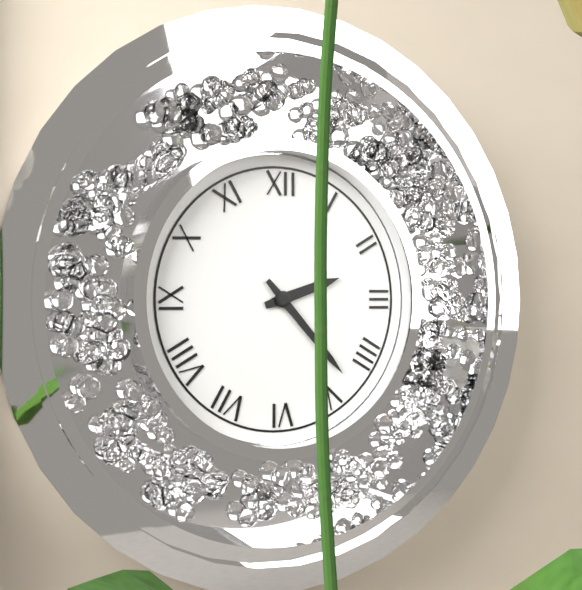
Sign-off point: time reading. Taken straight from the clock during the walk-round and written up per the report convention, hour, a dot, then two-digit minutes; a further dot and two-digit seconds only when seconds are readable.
2.23
